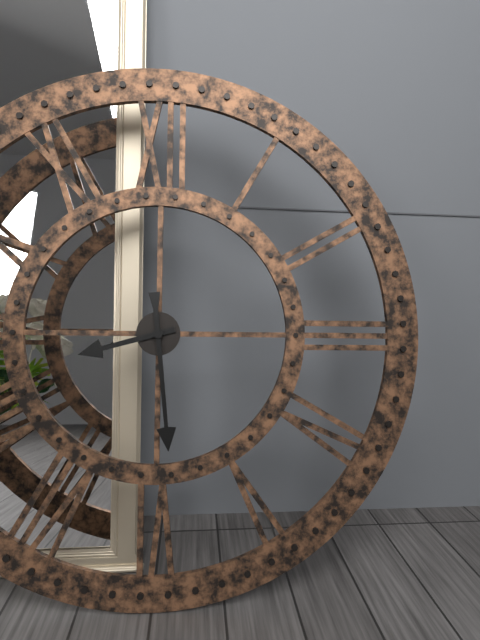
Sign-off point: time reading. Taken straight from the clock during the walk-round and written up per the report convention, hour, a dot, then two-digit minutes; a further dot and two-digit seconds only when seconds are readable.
8.29
